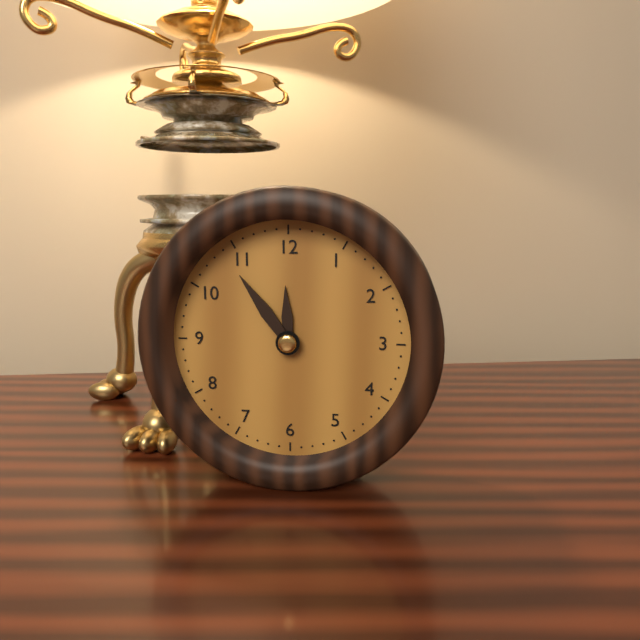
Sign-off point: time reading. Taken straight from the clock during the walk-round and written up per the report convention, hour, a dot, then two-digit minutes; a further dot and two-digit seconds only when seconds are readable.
11.54
